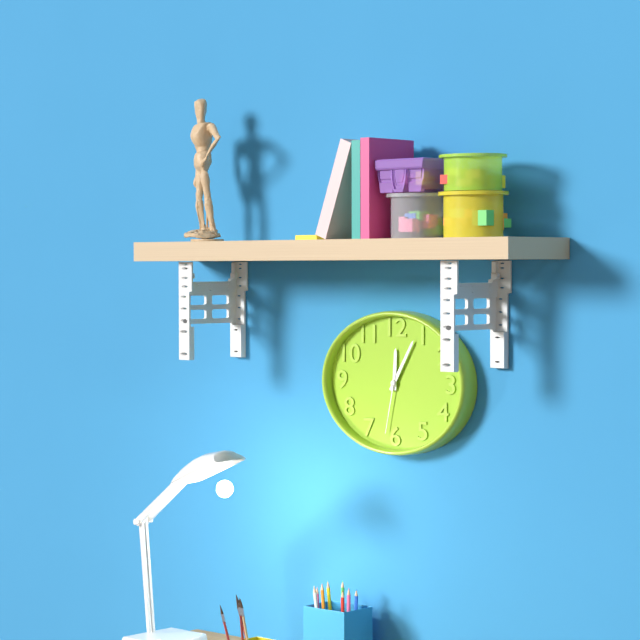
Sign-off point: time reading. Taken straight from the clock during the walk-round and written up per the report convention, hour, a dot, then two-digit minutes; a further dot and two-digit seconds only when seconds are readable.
12.05.32
